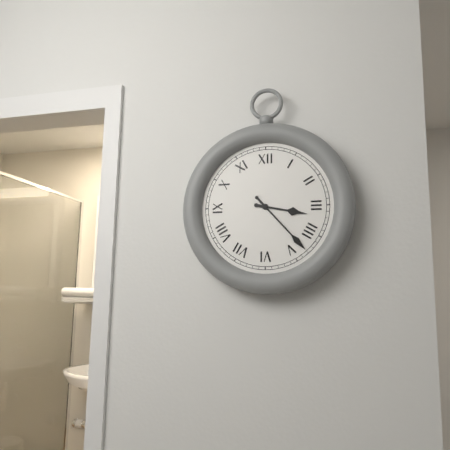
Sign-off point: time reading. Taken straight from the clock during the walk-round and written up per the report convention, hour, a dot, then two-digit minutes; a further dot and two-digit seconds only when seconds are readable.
3.23
